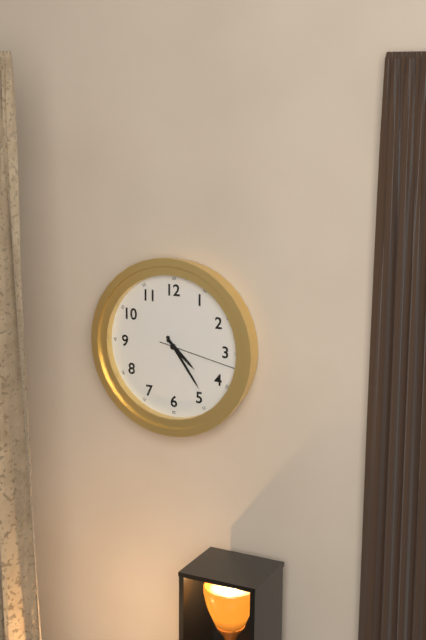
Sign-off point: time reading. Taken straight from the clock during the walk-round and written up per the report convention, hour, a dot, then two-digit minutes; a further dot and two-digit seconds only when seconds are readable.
4.24.17
